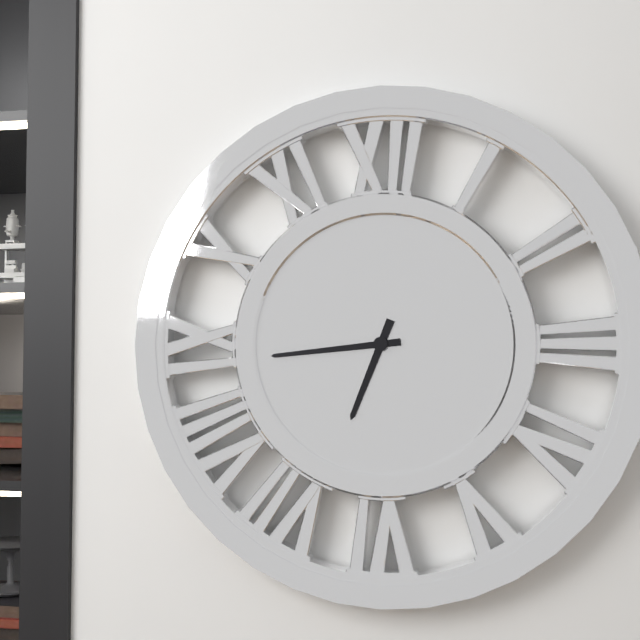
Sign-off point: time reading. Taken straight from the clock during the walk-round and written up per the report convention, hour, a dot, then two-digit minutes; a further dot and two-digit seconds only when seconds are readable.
6.44
